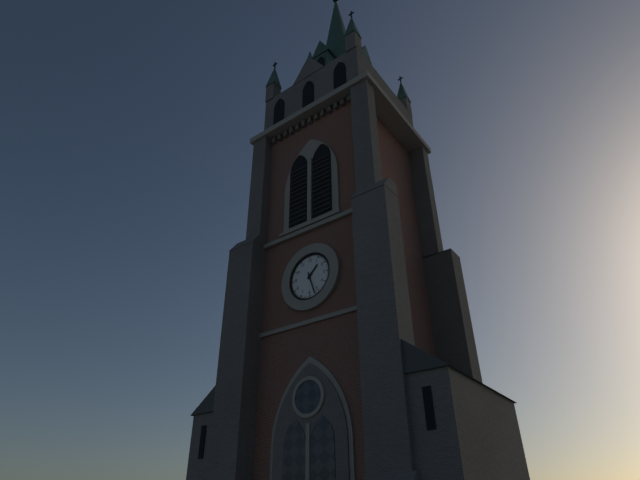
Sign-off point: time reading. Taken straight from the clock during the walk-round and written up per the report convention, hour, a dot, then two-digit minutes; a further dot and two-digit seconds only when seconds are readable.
1.27
